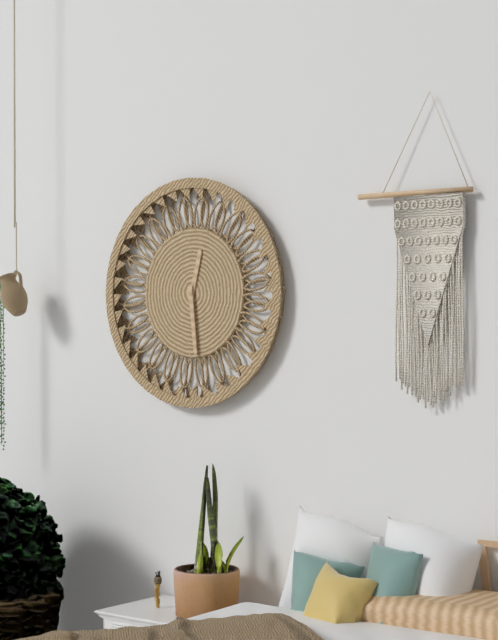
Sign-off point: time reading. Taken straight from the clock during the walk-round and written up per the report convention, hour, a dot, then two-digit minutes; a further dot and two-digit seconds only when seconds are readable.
12.29
